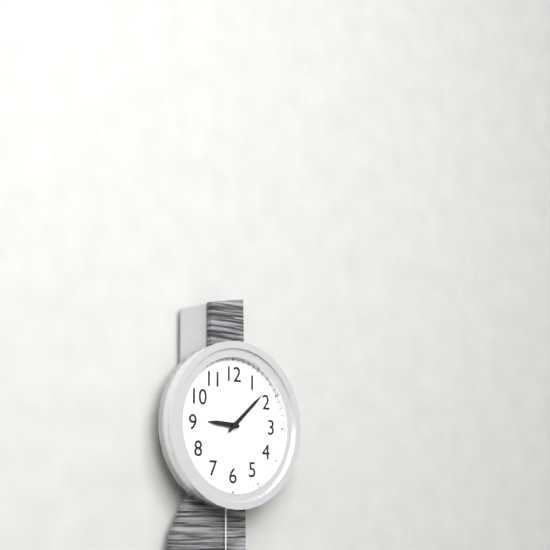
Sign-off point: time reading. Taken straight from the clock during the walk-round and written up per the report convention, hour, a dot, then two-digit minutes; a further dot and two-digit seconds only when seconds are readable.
9.08
